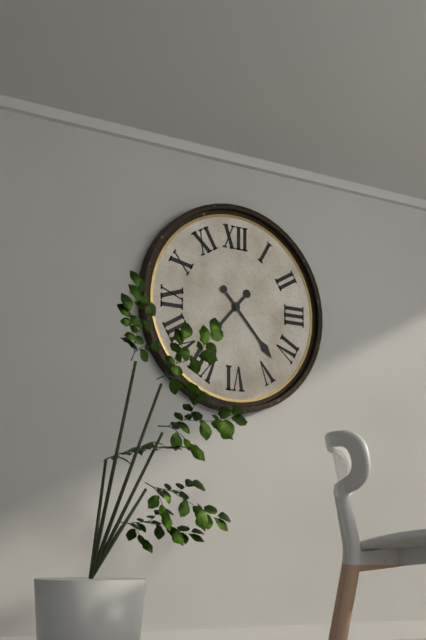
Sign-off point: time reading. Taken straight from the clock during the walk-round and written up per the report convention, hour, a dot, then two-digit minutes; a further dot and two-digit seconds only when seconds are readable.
7.23
